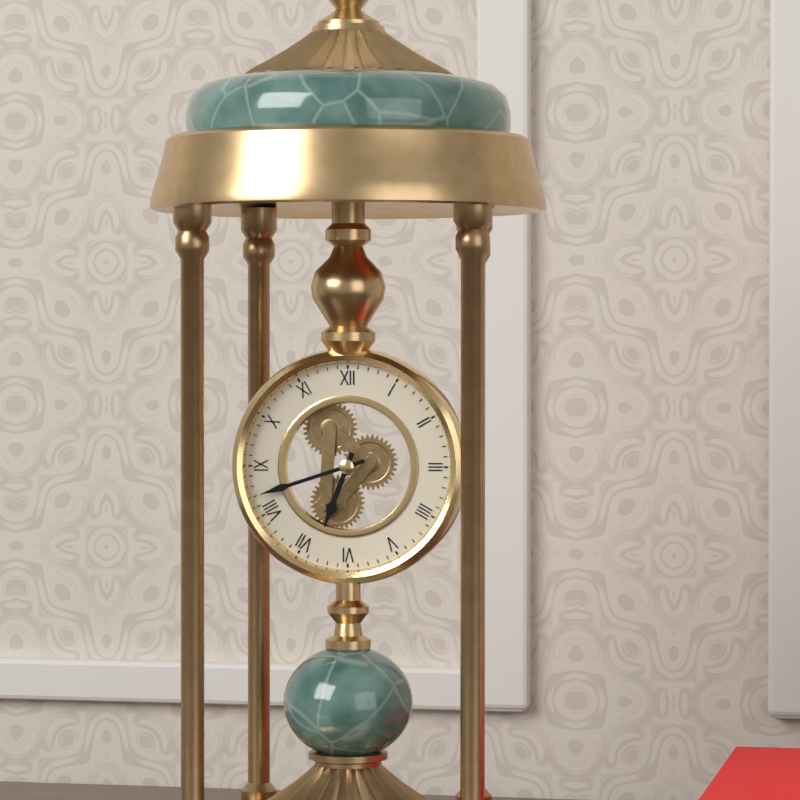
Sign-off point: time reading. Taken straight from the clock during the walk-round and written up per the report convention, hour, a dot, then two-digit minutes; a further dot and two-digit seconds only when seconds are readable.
6.42
